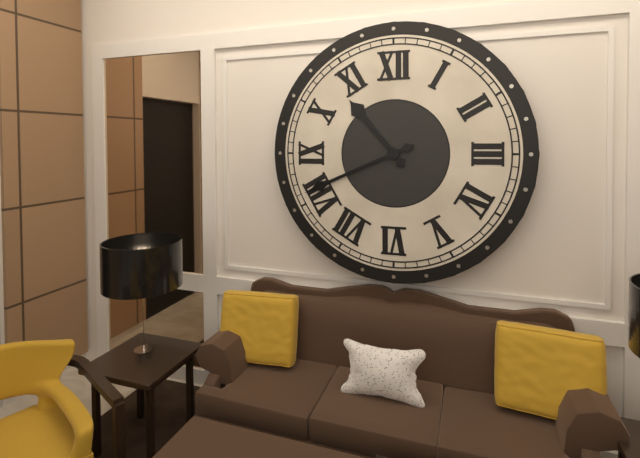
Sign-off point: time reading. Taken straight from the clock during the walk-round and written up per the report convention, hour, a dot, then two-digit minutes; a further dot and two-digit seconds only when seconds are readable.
10.41
